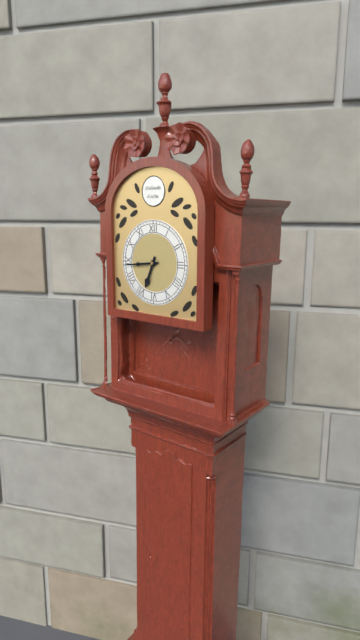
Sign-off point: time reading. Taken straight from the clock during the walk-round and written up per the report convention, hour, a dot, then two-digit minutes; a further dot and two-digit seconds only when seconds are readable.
6.44
